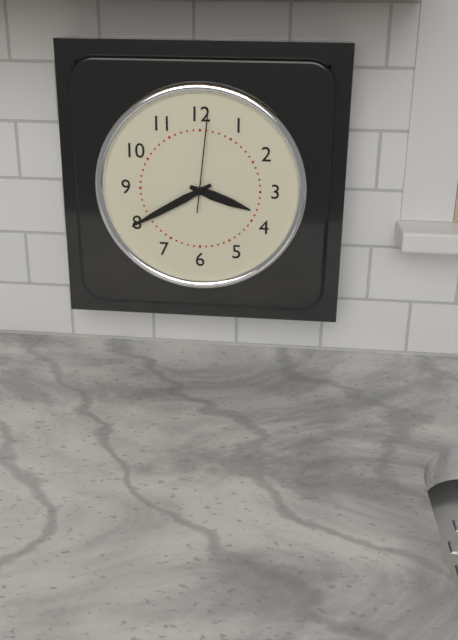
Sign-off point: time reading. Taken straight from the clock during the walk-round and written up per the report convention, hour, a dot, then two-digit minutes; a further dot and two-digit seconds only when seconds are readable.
3.40.01
